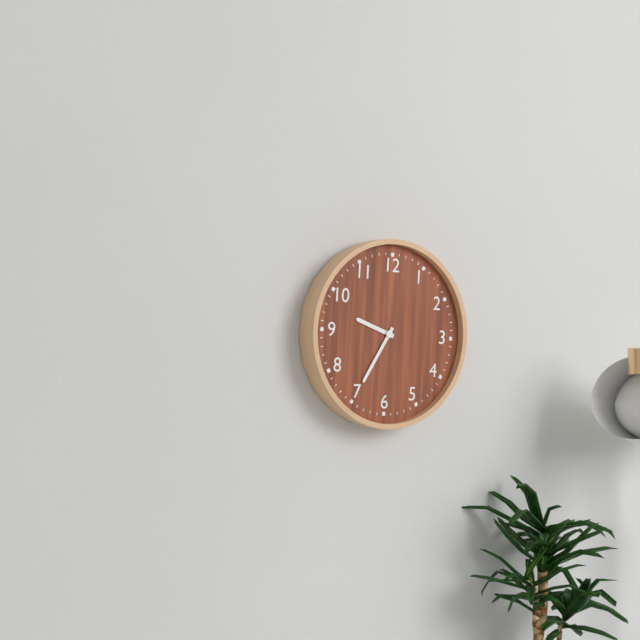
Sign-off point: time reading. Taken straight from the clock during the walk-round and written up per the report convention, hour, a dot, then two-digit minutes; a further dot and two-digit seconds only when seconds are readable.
9.35
